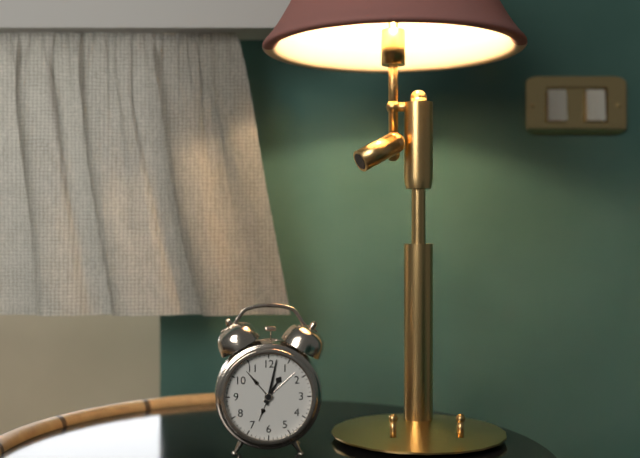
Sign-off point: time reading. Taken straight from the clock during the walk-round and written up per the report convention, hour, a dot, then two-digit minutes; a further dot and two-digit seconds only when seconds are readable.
1.02
